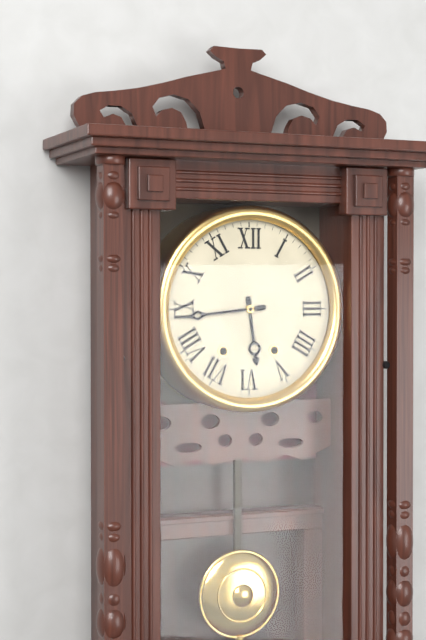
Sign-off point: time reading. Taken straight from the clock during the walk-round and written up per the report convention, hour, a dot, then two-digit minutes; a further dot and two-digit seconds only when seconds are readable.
5.44
